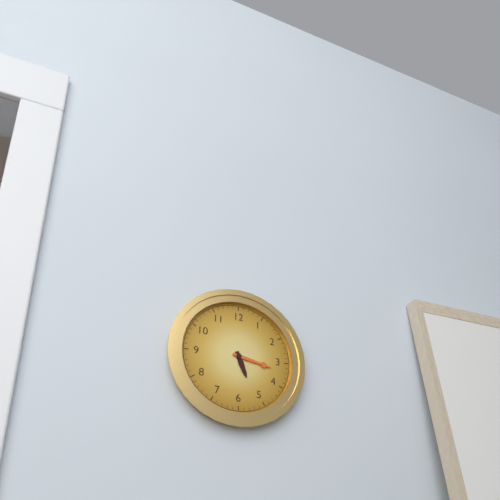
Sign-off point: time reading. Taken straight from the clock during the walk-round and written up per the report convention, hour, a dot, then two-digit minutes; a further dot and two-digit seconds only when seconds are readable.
5.17
